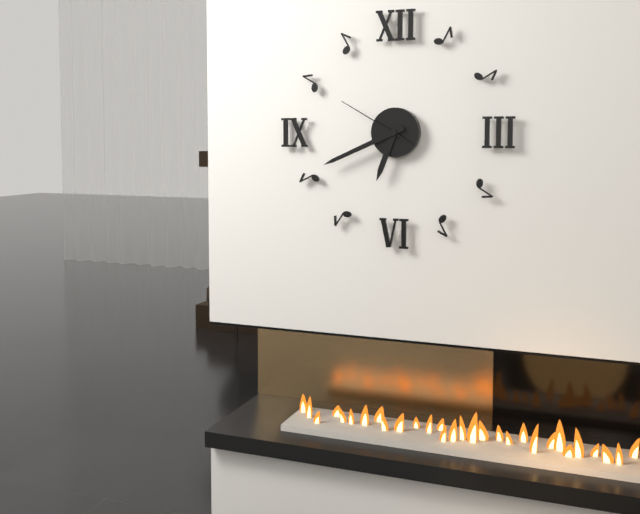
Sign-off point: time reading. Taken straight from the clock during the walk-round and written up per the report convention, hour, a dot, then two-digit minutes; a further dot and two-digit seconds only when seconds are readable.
6.41.50
